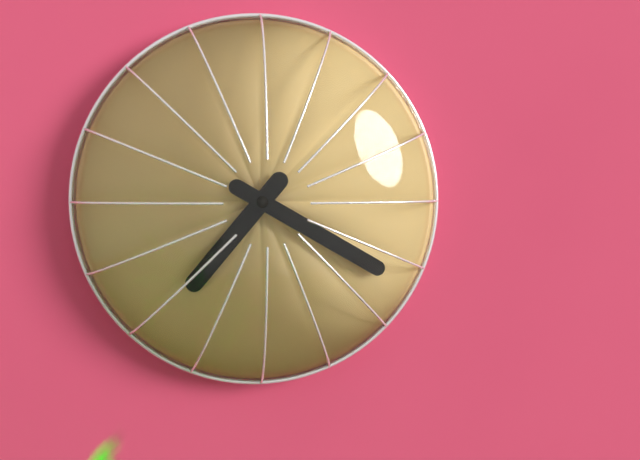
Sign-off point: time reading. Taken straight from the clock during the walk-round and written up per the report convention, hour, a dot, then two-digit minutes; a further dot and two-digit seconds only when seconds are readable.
7.20
